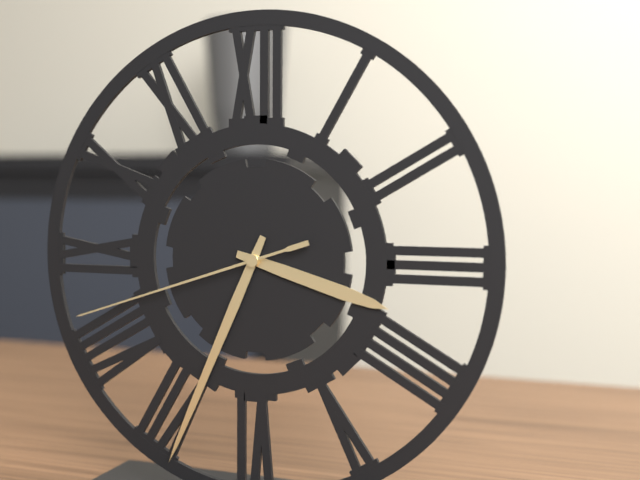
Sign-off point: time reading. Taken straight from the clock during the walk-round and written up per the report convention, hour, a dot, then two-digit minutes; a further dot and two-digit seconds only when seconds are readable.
3.34.42
